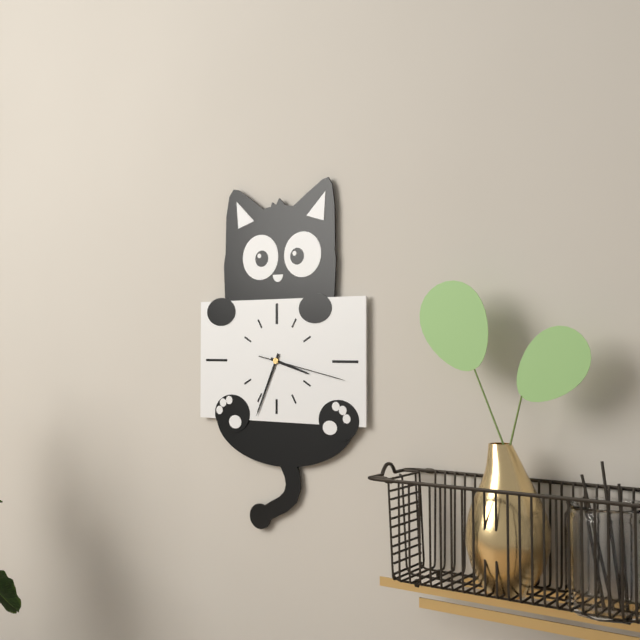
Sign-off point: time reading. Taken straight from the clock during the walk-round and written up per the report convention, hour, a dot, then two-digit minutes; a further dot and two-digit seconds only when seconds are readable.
3.34.17
